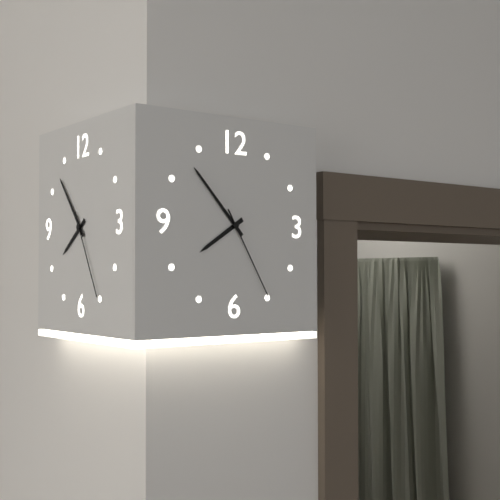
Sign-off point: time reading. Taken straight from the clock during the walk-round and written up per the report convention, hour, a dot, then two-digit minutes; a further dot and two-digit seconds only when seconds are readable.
7.53.25
